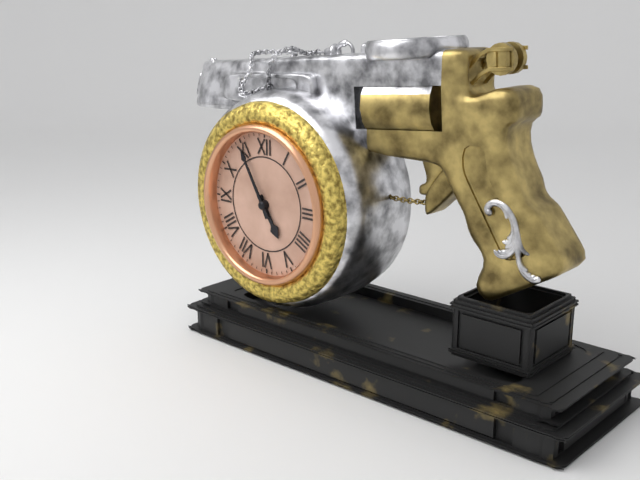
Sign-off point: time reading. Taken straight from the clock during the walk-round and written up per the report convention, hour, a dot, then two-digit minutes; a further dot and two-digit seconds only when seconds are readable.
4.55
